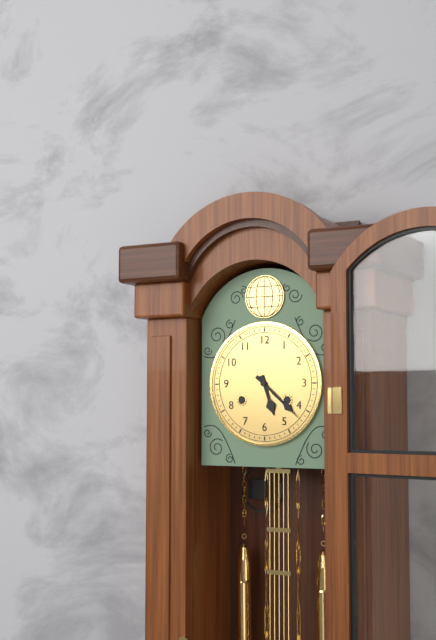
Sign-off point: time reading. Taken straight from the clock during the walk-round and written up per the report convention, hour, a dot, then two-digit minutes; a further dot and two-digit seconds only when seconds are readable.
5.22
